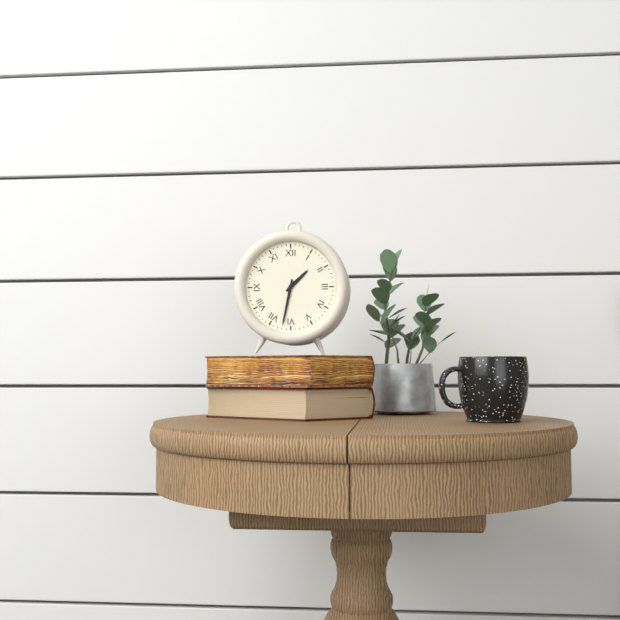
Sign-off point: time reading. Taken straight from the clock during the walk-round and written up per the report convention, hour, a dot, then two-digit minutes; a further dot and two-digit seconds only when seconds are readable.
1.32
